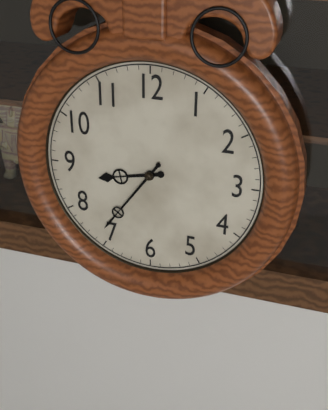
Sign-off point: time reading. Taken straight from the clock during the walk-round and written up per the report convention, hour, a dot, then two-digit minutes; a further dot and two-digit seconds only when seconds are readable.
8.36
